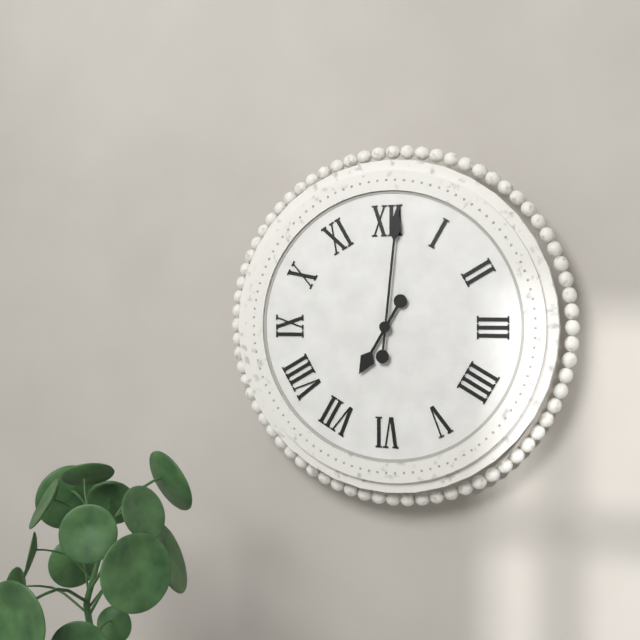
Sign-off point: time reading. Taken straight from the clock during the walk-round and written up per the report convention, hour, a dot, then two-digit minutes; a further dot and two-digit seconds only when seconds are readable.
7.01
